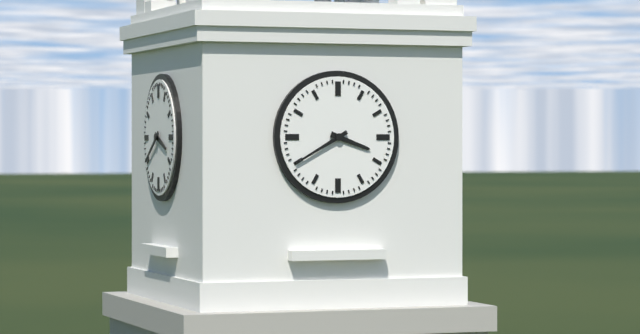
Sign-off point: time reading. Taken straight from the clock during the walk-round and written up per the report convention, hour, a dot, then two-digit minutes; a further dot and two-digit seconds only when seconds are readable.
3.40
